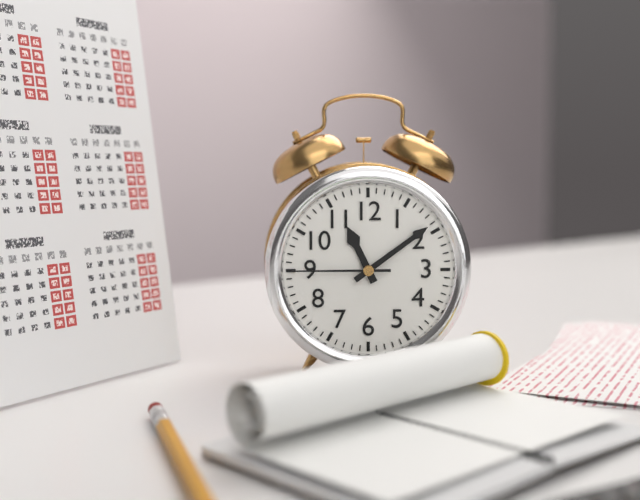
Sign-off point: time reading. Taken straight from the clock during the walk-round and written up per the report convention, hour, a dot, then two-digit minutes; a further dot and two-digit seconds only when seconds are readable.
11.09.45
